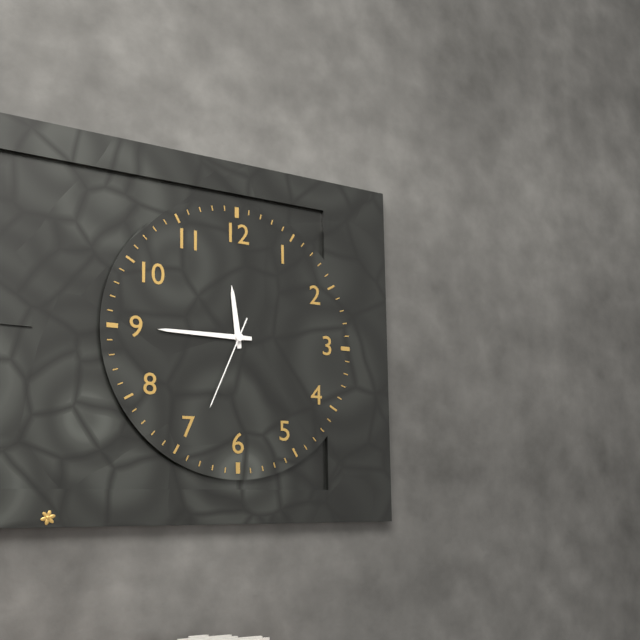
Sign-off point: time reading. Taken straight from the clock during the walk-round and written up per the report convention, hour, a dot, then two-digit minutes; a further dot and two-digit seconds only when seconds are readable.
11.45.34
